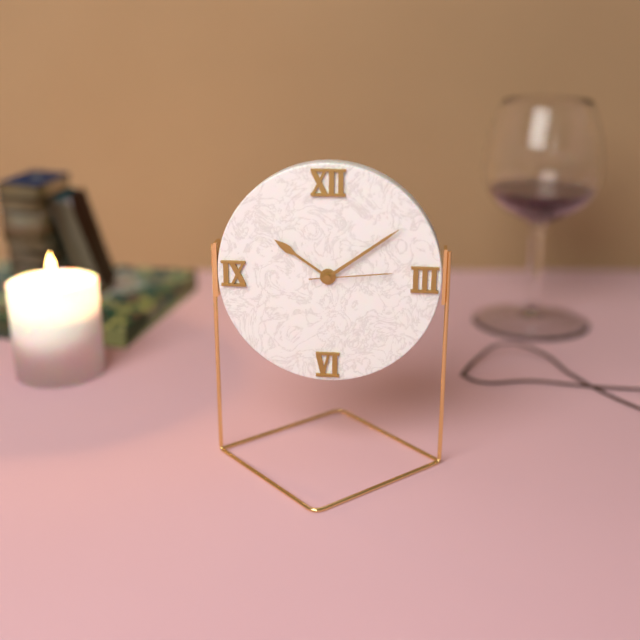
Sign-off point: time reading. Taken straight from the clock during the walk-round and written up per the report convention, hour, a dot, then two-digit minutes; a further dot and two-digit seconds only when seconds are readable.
10.09.14
